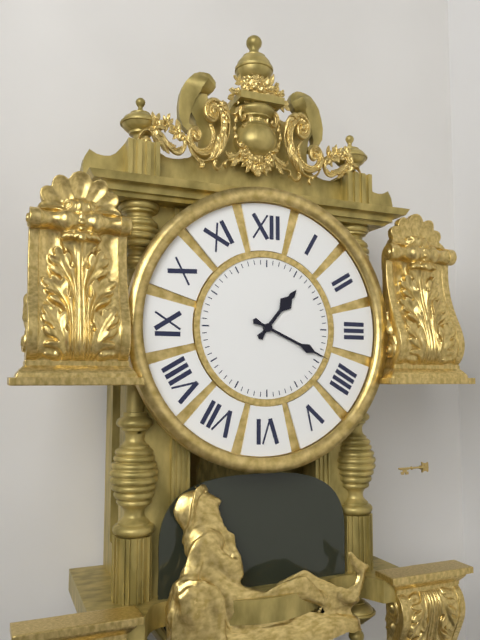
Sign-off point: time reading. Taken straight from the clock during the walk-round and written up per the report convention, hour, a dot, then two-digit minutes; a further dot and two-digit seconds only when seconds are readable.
1.19
